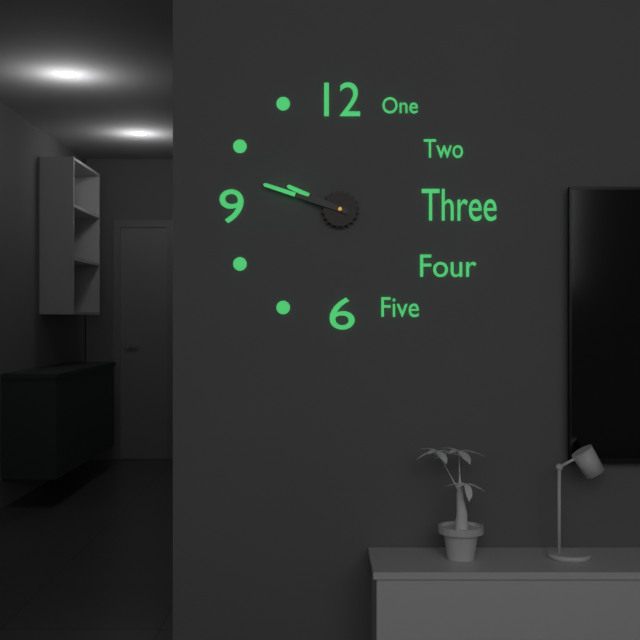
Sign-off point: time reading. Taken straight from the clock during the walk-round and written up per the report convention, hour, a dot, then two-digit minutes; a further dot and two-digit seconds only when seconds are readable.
9.48
